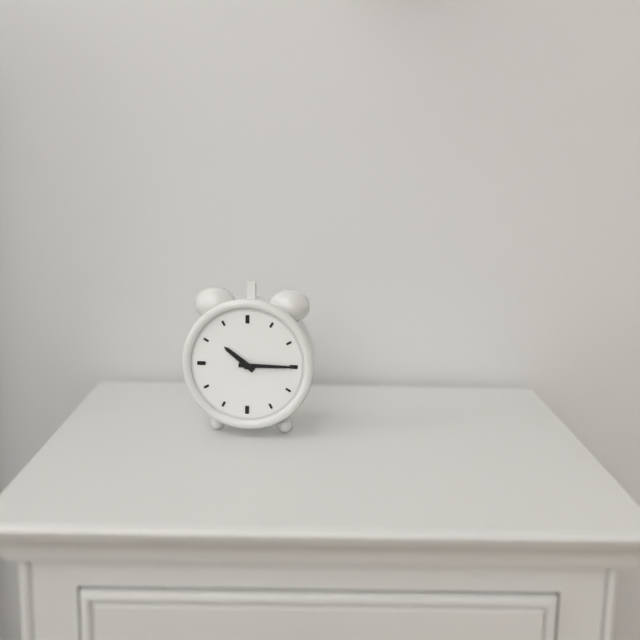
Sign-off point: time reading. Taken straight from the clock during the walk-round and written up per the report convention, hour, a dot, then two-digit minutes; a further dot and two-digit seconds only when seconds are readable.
10.15
